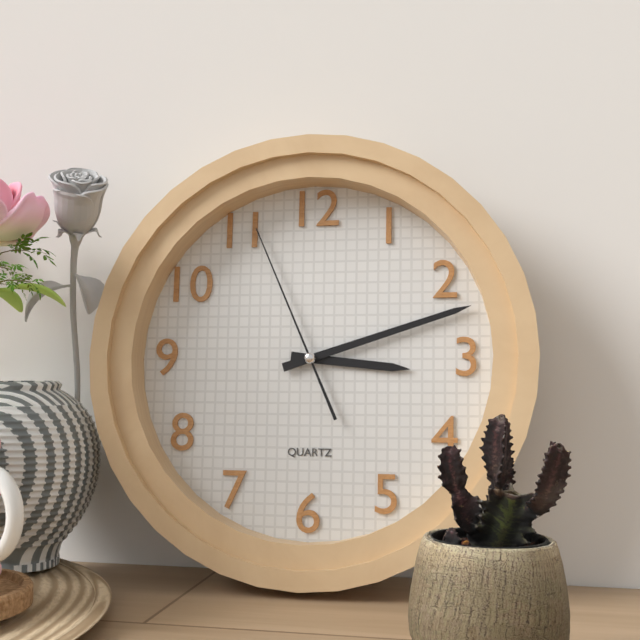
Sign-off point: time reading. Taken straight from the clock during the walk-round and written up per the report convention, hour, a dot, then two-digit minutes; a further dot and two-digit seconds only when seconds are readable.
3.12.56
